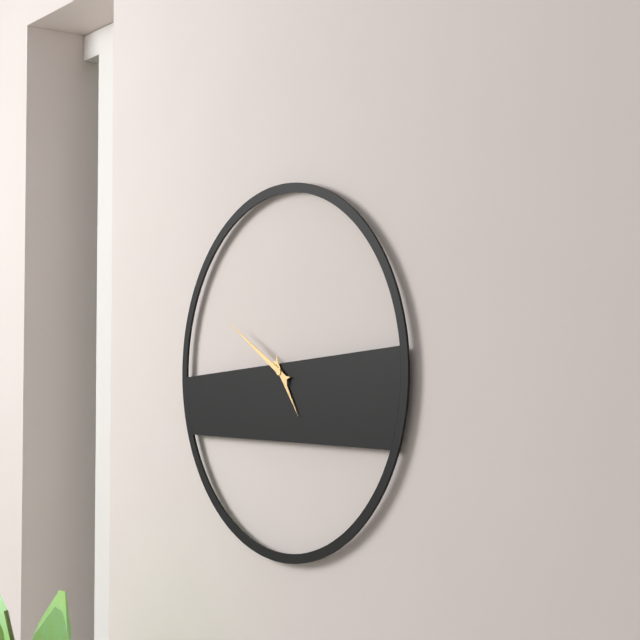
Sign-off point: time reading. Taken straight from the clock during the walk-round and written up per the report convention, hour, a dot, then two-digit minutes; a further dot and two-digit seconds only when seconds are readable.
4.50
